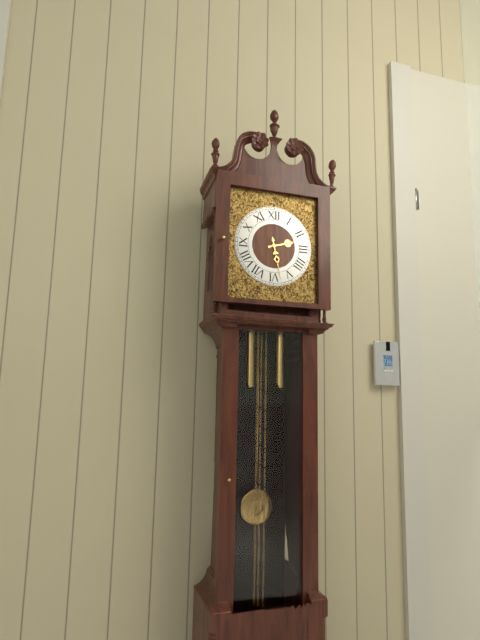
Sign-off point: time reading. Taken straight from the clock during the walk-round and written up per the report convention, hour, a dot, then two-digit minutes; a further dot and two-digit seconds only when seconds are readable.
2.28
